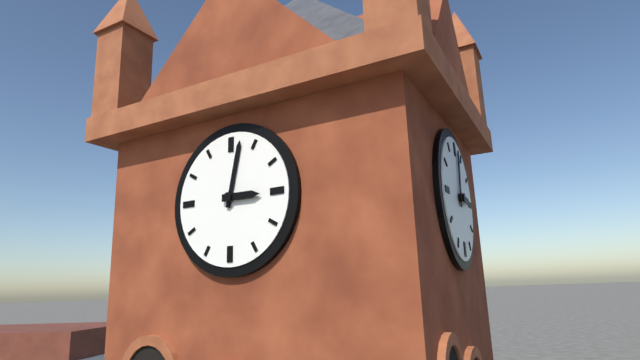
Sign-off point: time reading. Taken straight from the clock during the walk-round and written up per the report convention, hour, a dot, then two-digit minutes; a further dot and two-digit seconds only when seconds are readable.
3.02
